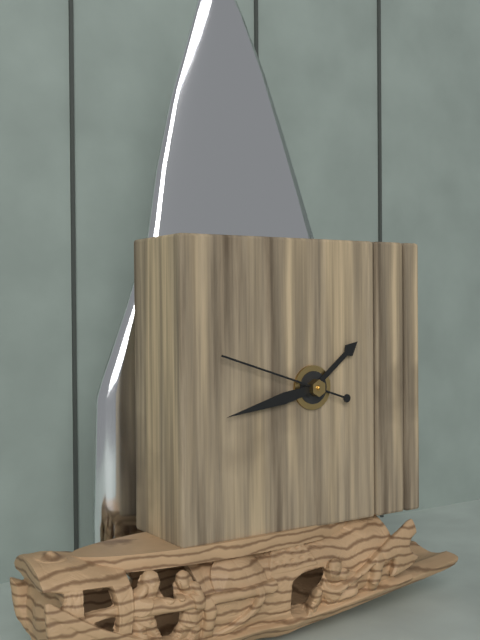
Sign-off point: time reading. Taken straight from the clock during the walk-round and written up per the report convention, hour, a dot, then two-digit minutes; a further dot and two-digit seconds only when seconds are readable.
1.43.48
